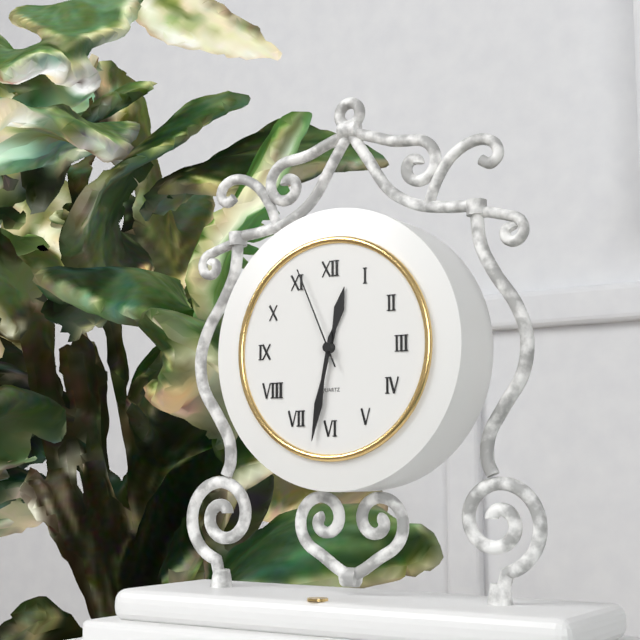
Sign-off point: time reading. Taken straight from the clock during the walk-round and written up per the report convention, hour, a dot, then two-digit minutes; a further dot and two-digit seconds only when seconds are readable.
12.32.56
